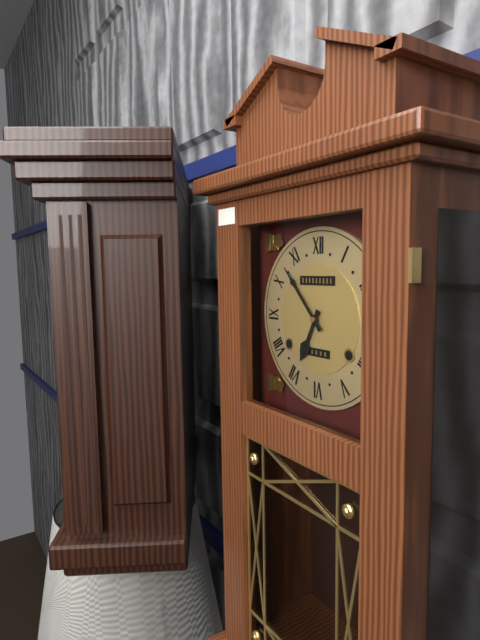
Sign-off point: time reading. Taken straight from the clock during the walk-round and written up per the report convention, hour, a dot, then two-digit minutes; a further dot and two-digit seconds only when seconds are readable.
6.53
